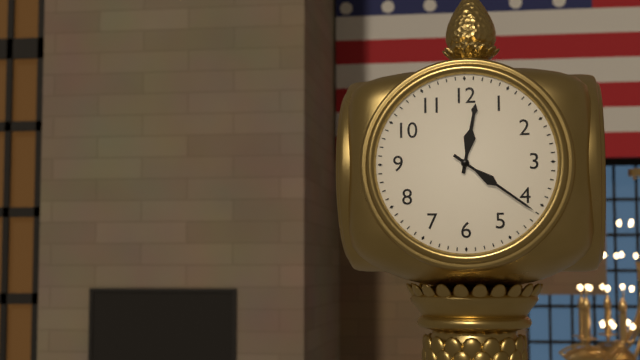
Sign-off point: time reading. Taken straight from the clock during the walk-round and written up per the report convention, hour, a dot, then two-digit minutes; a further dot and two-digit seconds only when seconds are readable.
12.21
